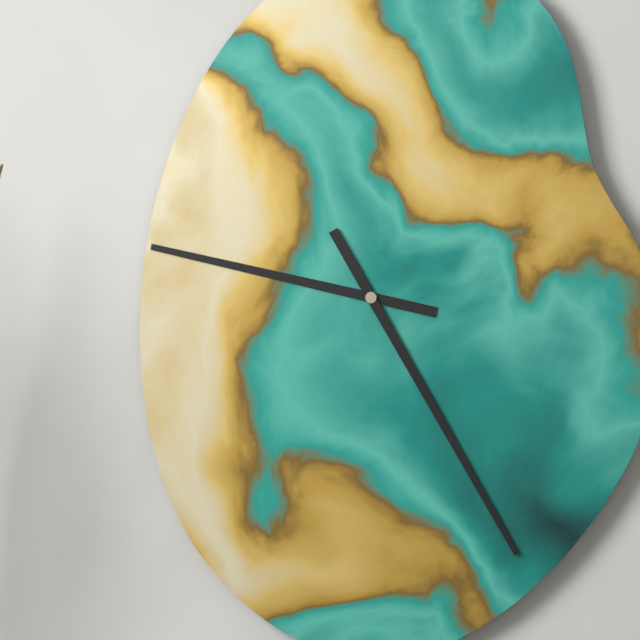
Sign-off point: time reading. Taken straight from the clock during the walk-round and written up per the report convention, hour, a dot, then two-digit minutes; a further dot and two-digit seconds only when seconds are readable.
9.25
